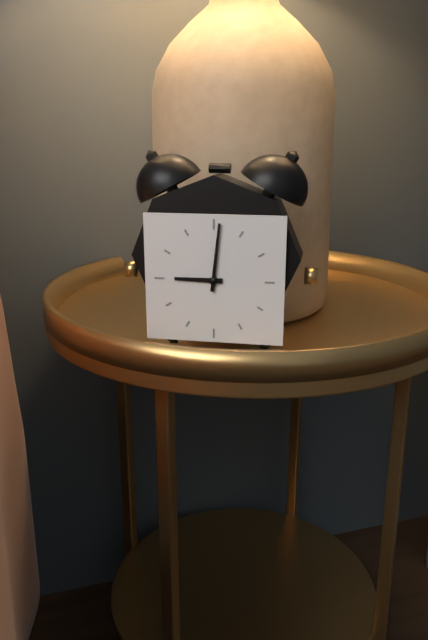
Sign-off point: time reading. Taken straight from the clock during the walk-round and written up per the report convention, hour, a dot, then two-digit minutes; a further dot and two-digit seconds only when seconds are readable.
9.01
